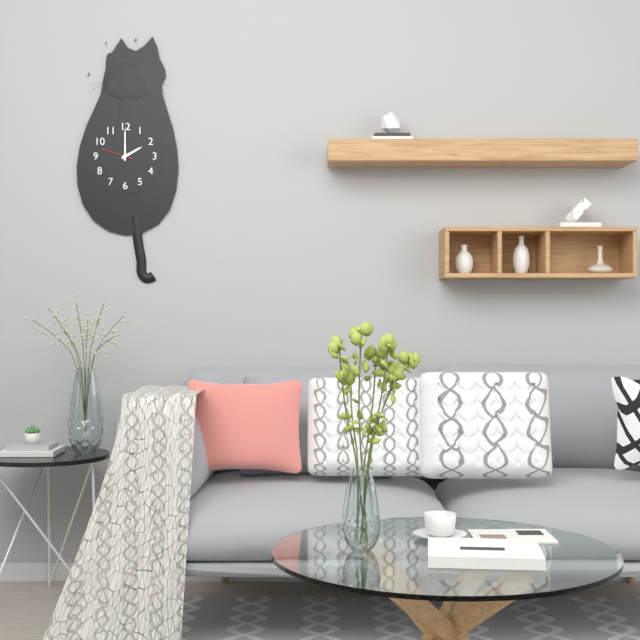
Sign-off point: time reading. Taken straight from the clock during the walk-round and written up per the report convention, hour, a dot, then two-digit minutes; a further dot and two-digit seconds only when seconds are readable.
2.00
